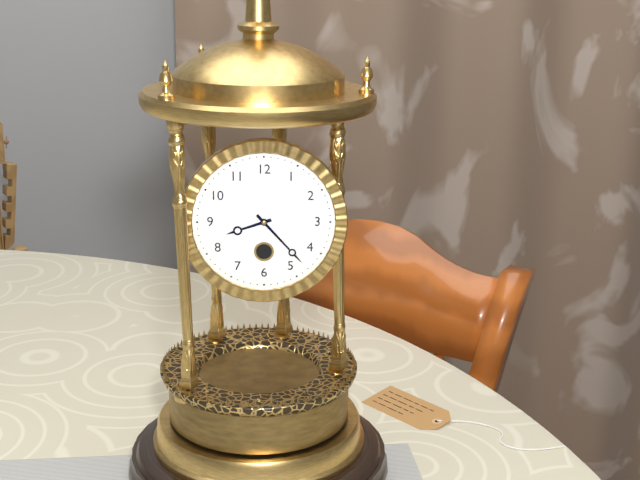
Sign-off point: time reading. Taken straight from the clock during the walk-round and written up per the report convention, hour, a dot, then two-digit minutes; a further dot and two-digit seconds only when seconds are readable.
8.23
